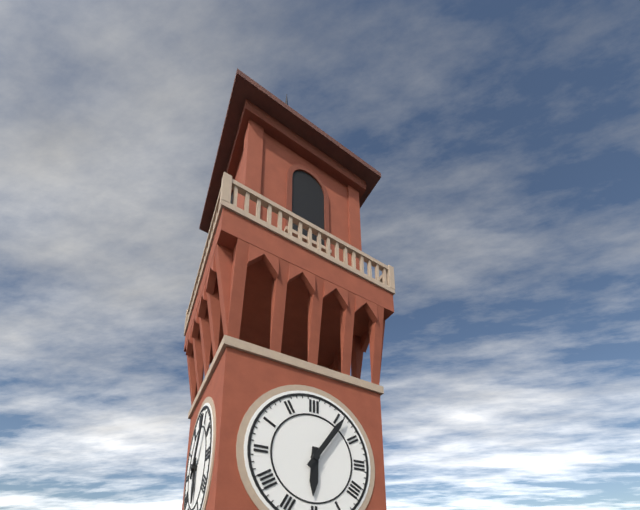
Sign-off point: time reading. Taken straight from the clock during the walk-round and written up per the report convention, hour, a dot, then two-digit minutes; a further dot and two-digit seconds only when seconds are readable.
6.06
